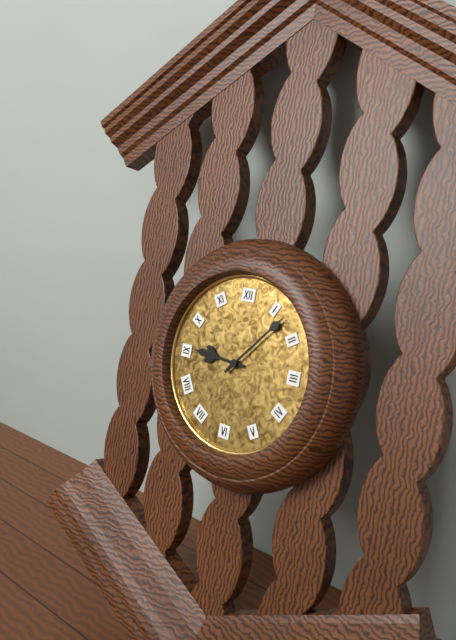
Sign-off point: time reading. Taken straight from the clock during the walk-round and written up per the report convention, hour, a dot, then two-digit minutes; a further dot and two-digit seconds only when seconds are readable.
9.07
